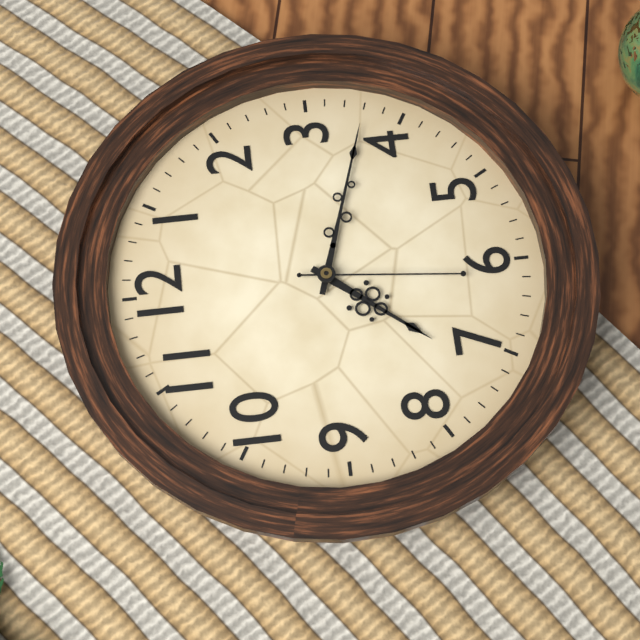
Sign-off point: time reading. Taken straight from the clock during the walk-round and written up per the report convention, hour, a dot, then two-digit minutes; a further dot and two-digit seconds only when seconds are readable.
7.18.31
